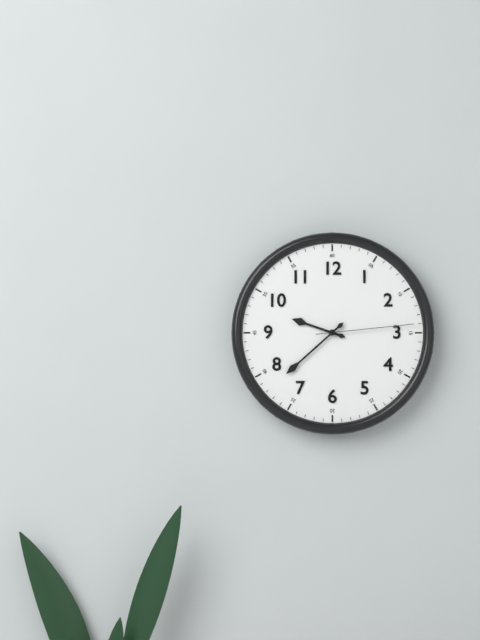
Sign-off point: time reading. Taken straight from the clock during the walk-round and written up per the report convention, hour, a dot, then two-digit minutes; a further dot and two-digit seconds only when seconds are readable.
9.38.14
